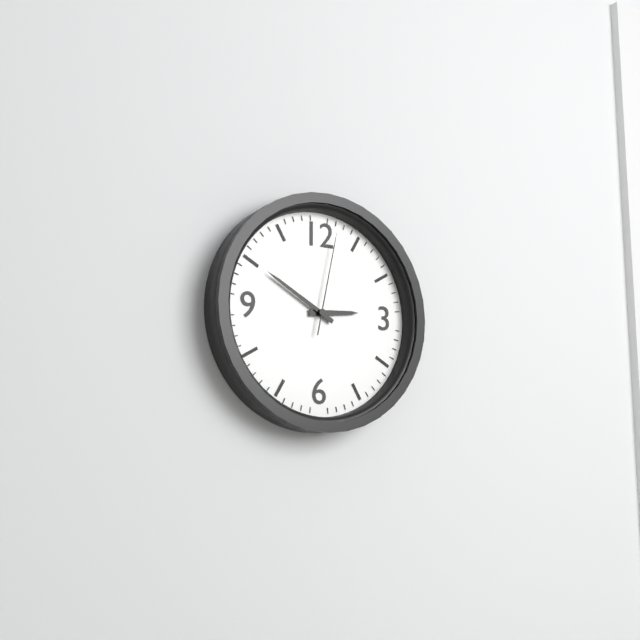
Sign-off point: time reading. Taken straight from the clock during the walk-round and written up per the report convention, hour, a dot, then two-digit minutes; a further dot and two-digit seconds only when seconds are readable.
2.50.02
